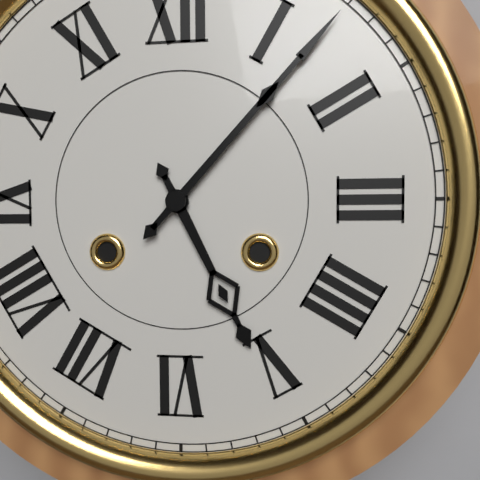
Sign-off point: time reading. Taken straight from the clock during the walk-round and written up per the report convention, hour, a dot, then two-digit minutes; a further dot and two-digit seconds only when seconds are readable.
5.07
